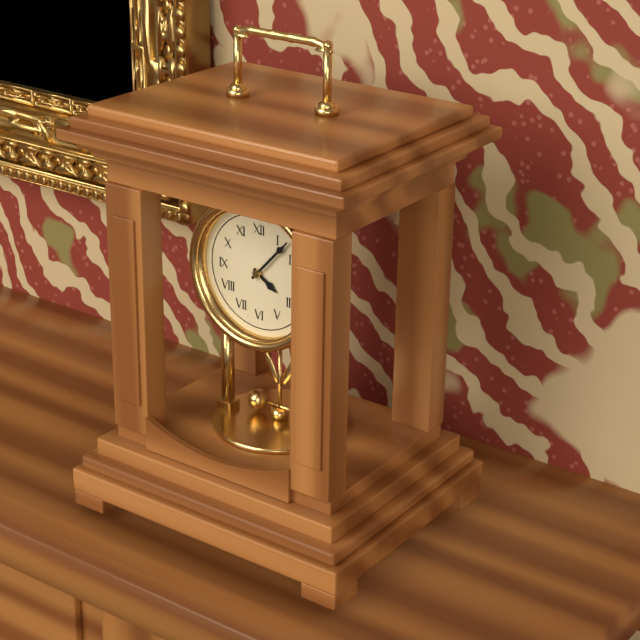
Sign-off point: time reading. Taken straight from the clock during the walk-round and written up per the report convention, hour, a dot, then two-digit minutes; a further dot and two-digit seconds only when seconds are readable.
4.07
